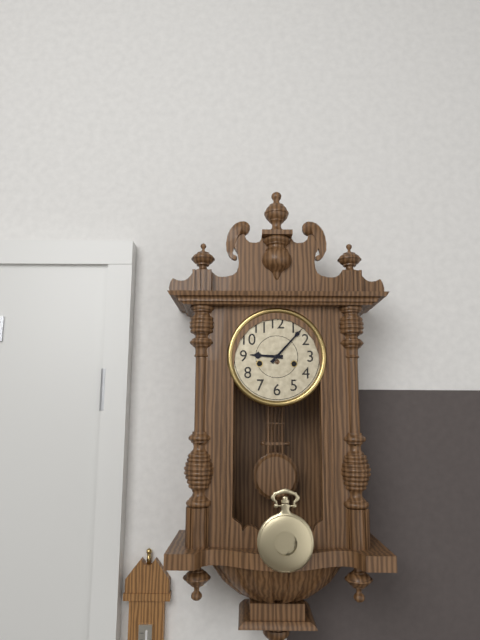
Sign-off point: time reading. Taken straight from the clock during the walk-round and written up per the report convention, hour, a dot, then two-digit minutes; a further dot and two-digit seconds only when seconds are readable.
9.07
